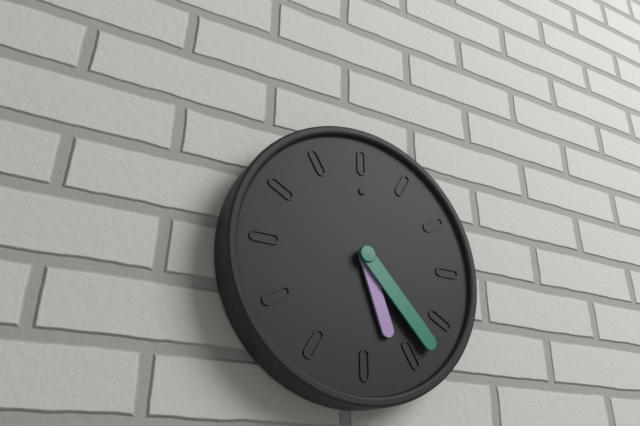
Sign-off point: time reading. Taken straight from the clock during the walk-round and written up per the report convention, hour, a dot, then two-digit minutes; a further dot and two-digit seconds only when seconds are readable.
5.23
